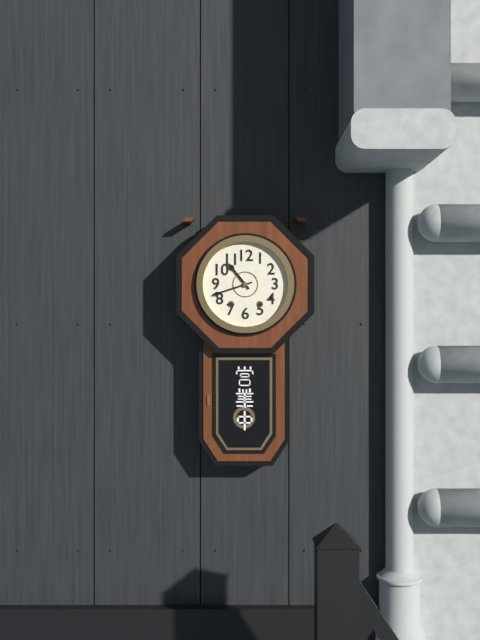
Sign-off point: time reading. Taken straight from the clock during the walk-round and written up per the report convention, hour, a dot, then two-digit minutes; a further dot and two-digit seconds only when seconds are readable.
10.42
